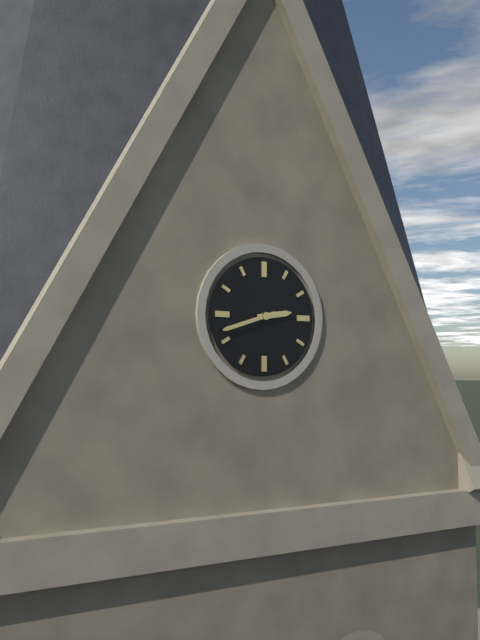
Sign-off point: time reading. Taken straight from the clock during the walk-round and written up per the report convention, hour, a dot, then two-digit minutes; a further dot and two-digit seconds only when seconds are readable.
2.42
